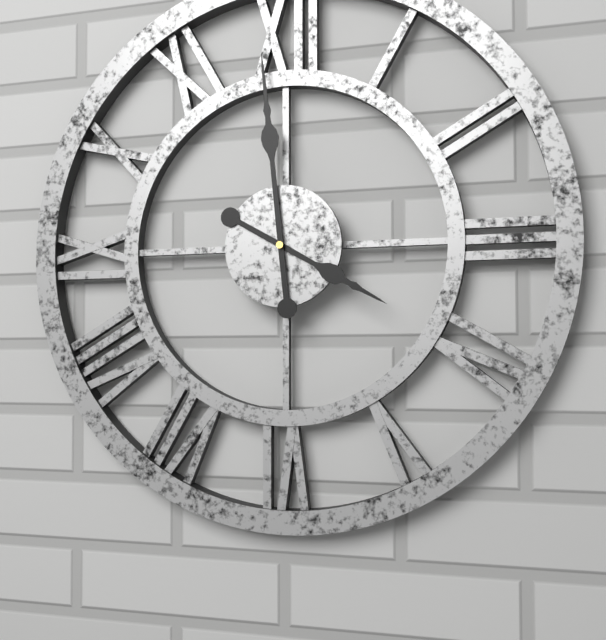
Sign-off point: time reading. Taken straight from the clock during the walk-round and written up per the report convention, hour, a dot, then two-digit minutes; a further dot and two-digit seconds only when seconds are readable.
3.59
